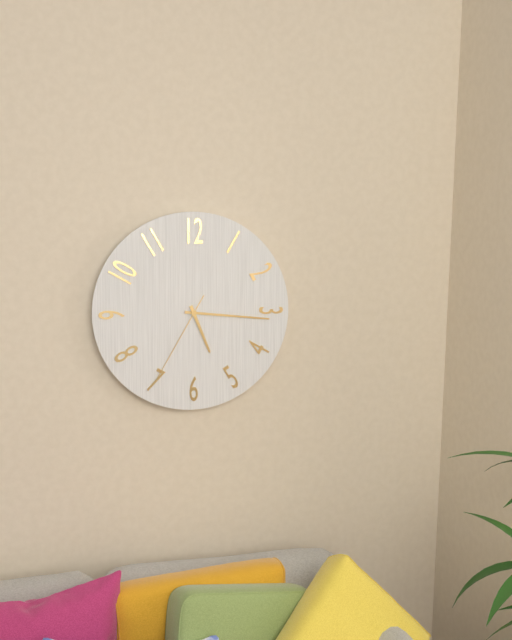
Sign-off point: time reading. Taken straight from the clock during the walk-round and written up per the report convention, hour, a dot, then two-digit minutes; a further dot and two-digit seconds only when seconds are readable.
5.16.35
